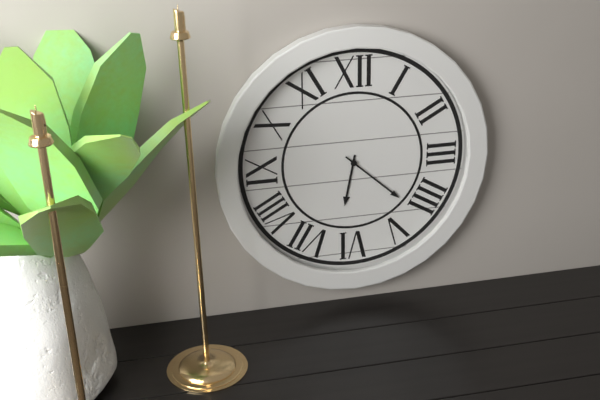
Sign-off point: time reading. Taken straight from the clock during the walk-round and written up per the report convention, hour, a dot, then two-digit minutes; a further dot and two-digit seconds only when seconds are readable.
6.22
